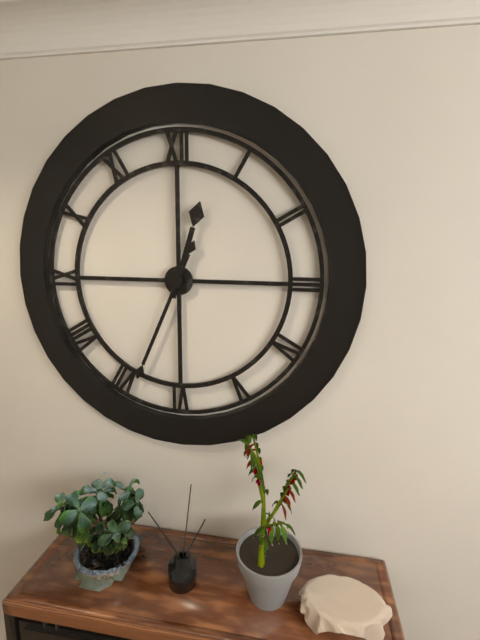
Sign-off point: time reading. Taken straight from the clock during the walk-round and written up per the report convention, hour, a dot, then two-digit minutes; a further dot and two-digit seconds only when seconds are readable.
12.34
